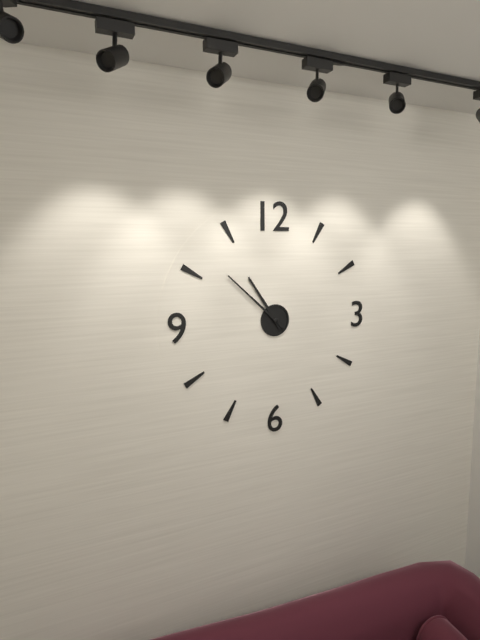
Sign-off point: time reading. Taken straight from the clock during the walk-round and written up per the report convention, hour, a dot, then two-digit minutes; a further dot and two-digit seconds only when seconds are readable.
10.52
